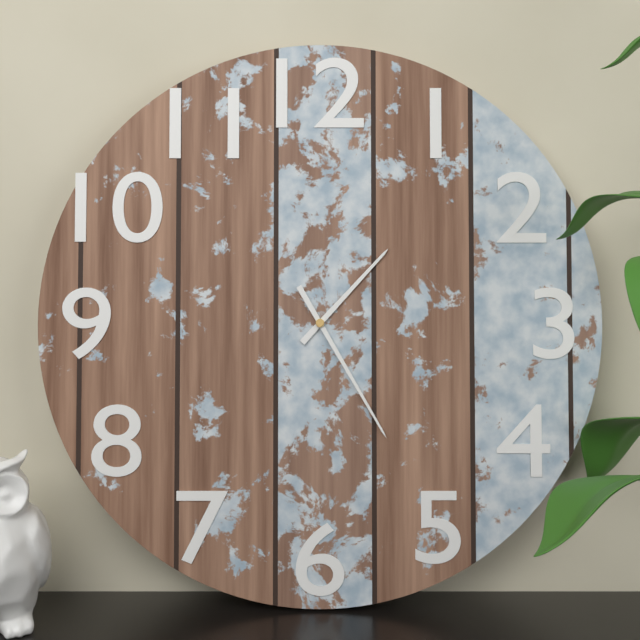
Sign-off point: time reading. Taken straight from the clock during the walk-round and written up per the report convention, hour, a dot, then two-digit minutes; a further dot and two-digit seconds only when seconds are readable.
1.25
